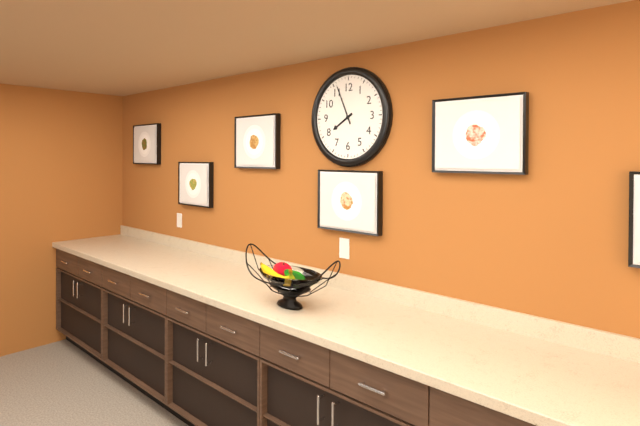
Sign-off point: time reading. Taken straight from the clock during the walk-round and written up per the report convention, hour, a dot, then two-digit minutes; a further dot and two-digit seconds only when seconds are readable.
7.56
